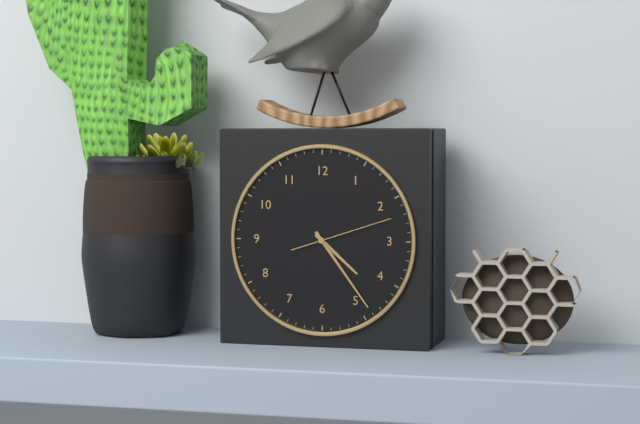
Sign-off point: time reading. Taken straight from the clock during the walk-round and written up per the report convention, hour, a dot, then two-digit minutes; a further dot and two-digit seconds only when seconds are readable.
4.24.12
